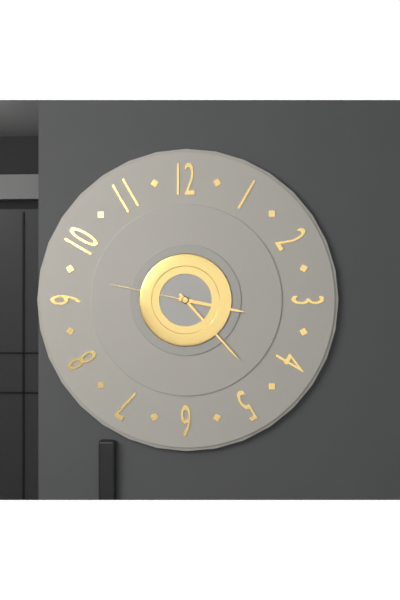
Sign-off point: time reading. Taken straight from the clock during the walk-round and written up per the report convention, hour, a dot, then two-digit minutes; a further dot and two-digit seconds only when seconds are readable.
3.23.47
